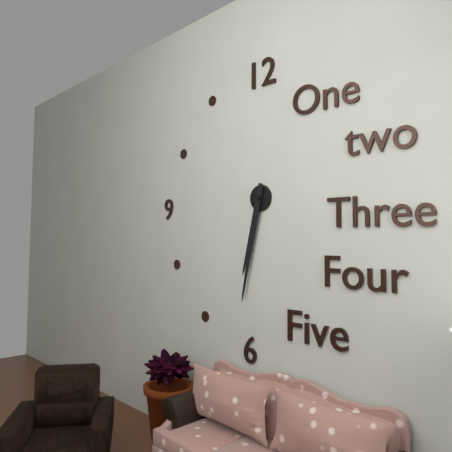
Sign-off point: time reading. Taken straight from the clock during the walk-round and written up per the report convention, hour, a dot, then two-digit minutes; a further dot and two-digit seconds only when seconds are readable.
6.32
